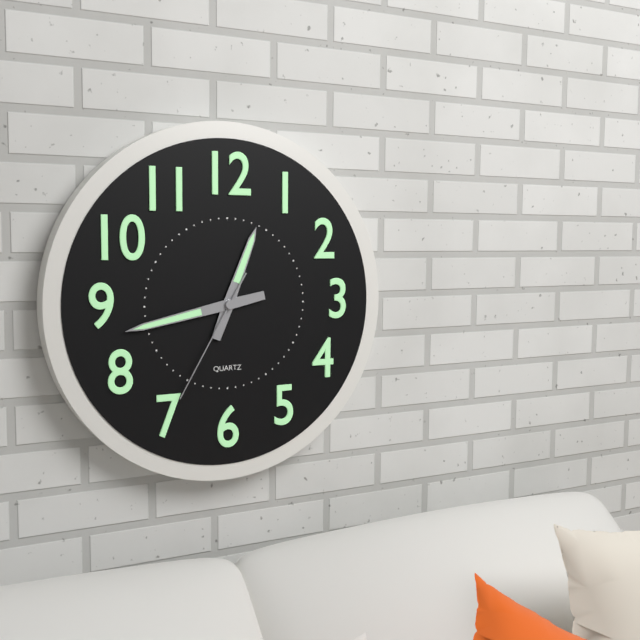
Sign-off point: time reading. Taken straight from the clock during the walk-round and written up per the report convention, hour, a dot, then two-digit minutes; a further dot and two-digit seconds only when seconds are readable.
12.43.35
